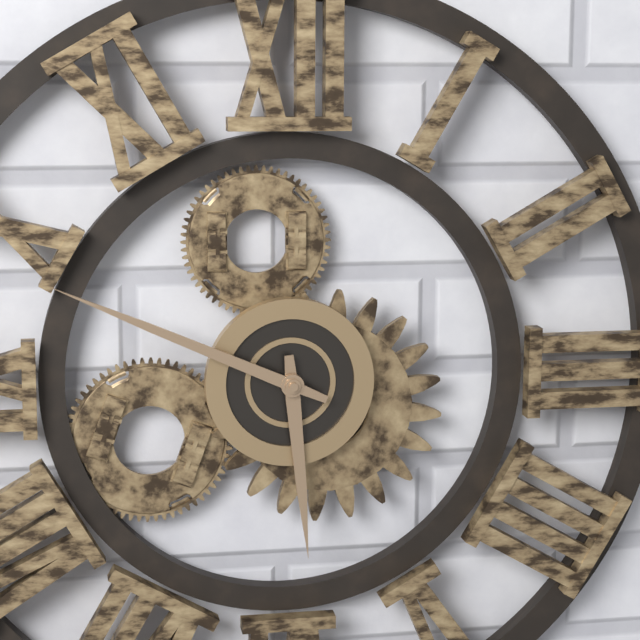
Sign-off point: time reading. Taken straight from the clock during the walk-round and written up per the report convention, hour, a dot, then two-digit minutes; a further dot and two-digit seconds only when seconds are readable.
5.49
